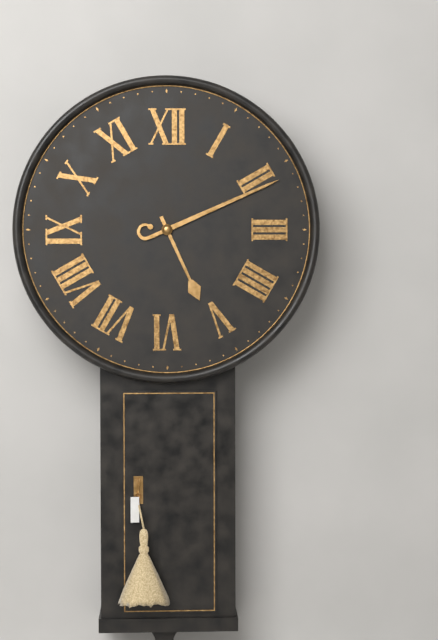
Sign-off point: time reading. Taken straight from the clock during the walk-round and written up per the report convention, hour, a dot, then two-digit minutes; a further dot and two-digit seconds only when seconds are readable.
5.11
